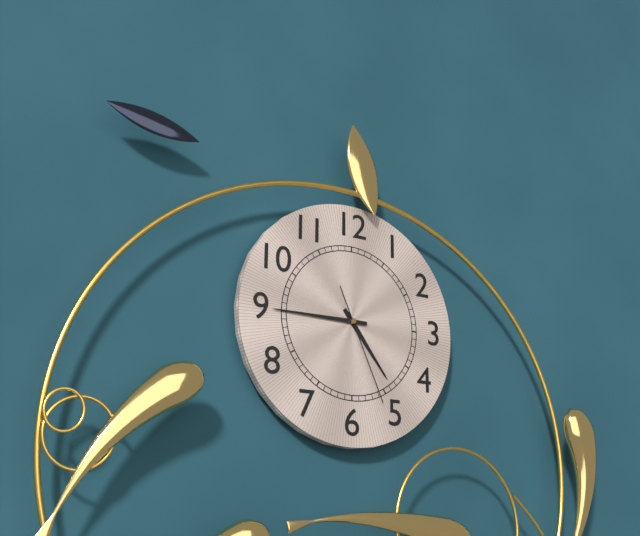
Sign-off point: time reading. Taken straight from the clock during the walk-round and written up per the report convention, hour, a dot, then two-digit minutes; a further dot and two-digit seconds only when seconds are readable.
4.45.26
